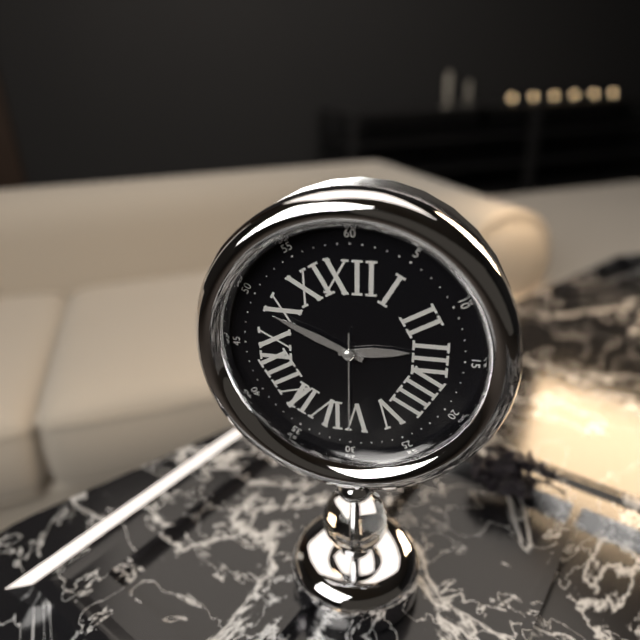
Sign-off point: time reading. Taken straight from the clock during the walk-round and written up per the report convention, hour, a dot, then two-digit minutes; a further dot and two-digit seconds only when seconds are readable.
2.49.30
